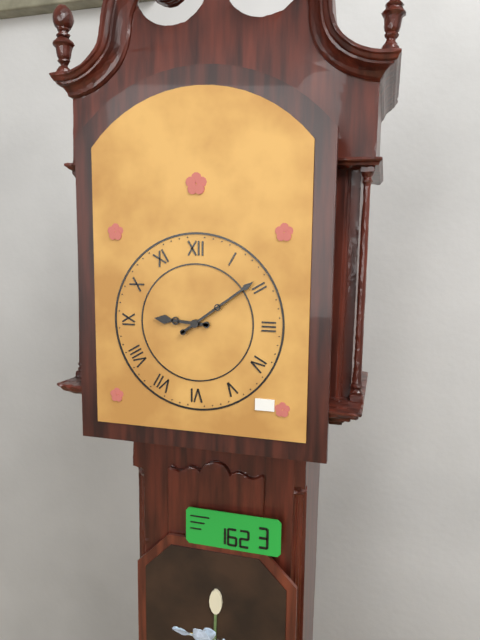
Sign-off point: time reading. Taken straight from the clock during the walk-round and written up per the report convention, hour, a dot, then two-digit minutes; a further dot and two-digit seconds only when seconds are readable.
9.09
